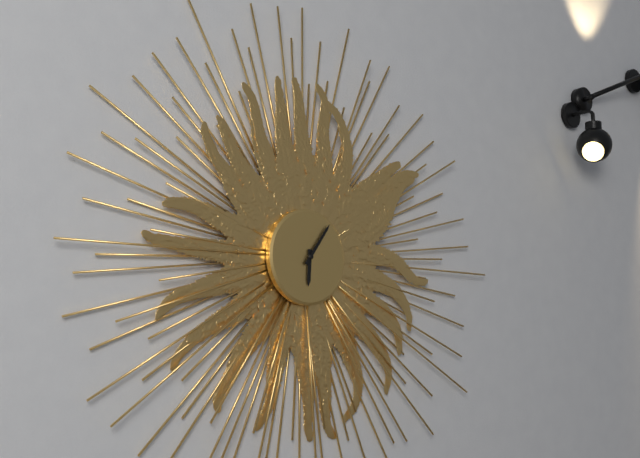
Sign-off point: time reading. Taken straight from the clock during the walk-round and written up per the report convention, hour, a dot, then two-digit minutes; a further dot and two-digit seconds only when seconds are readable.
6.06
